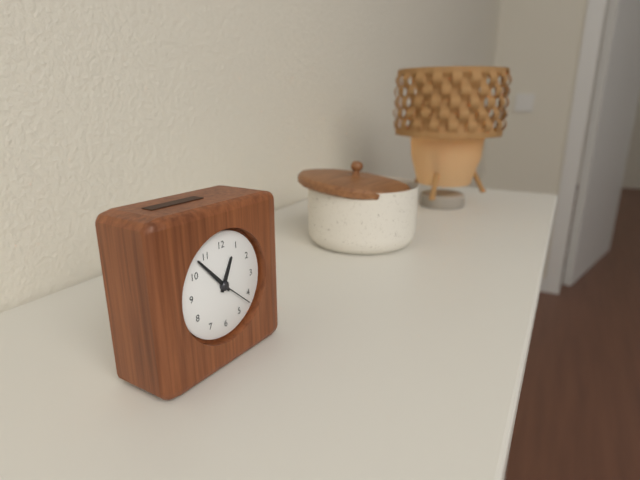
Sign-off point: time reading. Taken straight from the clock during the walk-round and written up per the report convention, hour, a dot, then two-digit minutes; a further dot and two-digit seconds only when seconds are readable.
12.53
